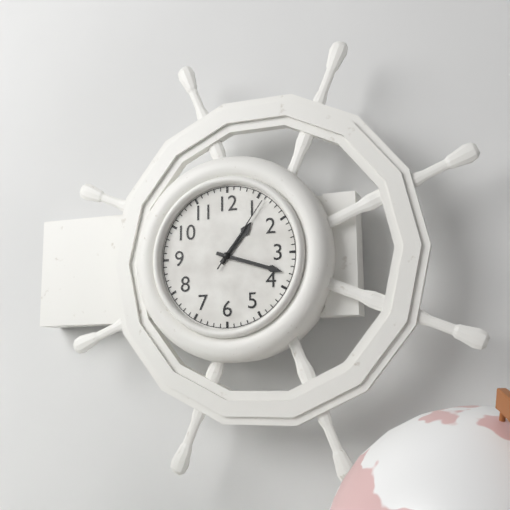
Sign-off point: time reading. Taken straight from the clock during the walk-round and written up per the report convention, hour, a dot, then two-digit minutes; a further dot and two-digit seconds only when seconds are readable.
1.18.06
